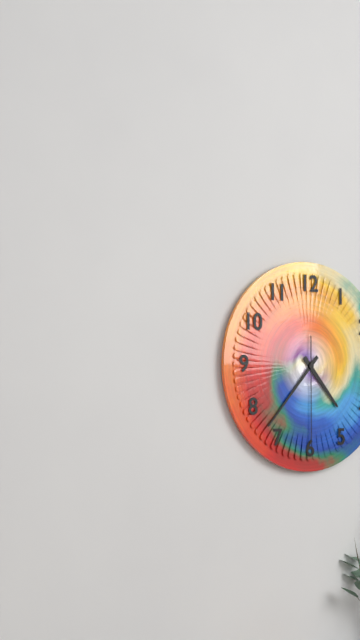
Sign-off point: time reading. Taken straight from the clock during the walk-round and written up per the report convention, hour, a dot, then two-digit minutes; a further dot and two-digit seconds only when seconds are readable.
4.37.30
